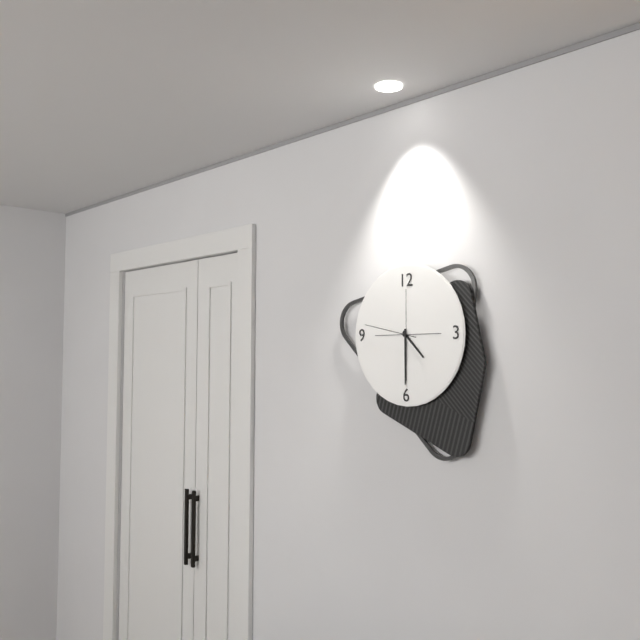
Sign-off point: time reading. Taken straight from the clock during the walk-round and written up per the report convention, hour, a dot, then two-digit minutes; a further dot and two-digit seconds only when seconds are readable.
4.30.47
